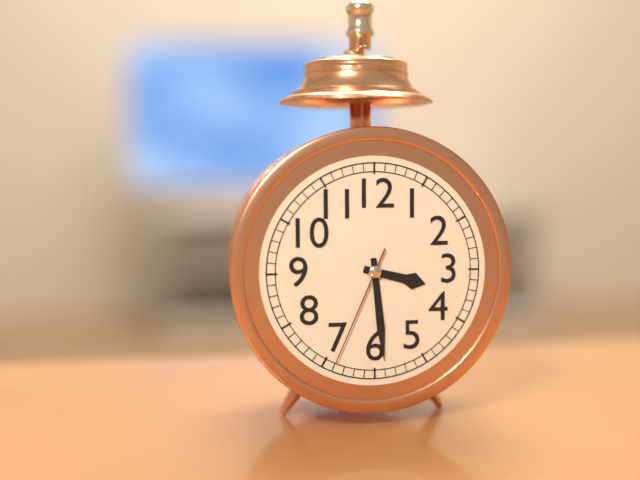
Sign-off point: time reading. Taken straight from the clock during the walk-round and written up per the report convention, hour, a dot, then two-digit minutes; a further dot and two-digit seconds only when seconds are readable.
3.29.34
